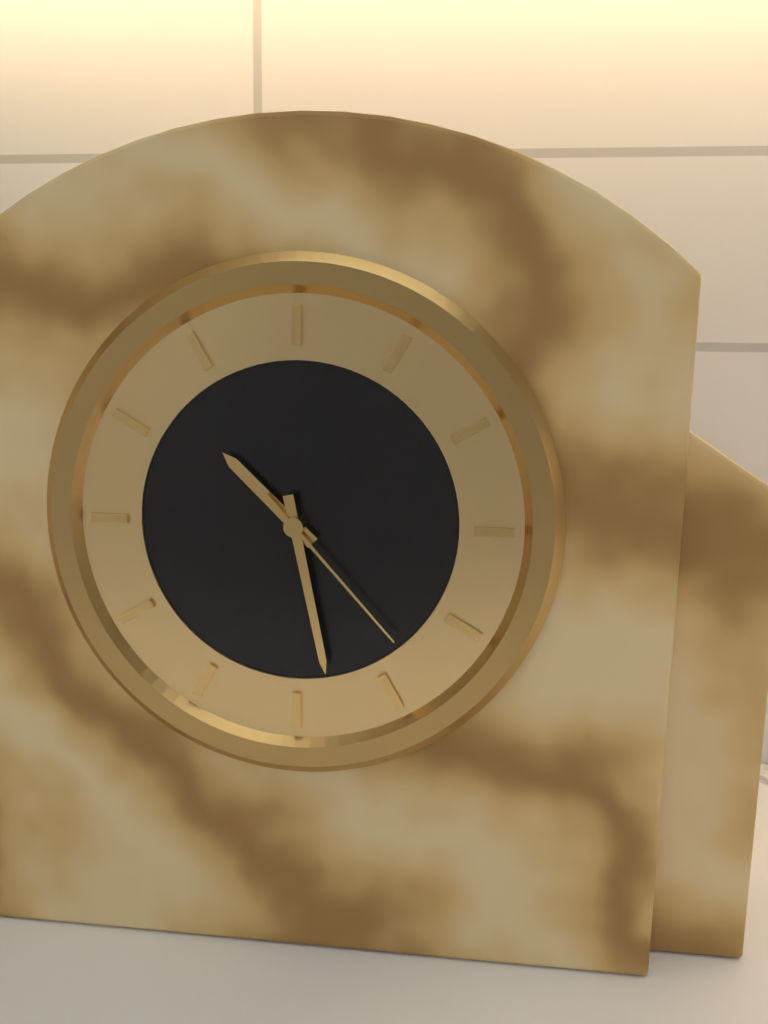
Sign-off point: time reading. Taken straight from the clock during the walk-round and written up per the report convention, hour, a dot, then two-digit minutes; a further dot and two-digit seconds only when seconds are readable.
10.28.23
